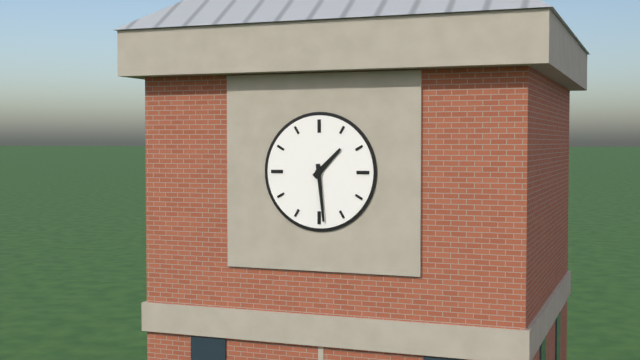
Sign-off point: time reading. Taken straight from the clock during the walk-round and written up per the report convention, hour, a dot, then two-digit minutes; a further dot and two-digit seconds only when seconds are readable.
1.29
